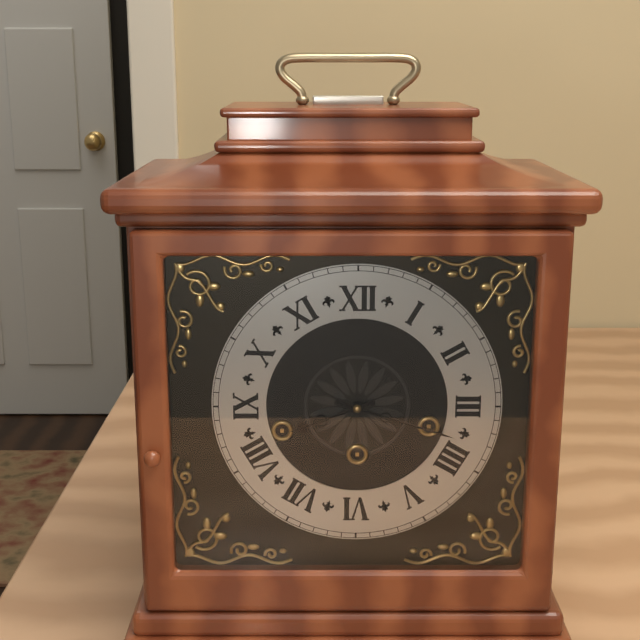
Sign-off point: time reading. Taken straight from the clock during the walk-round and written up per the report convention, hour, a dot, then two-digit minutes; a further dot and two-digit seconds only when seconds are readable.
8.18
